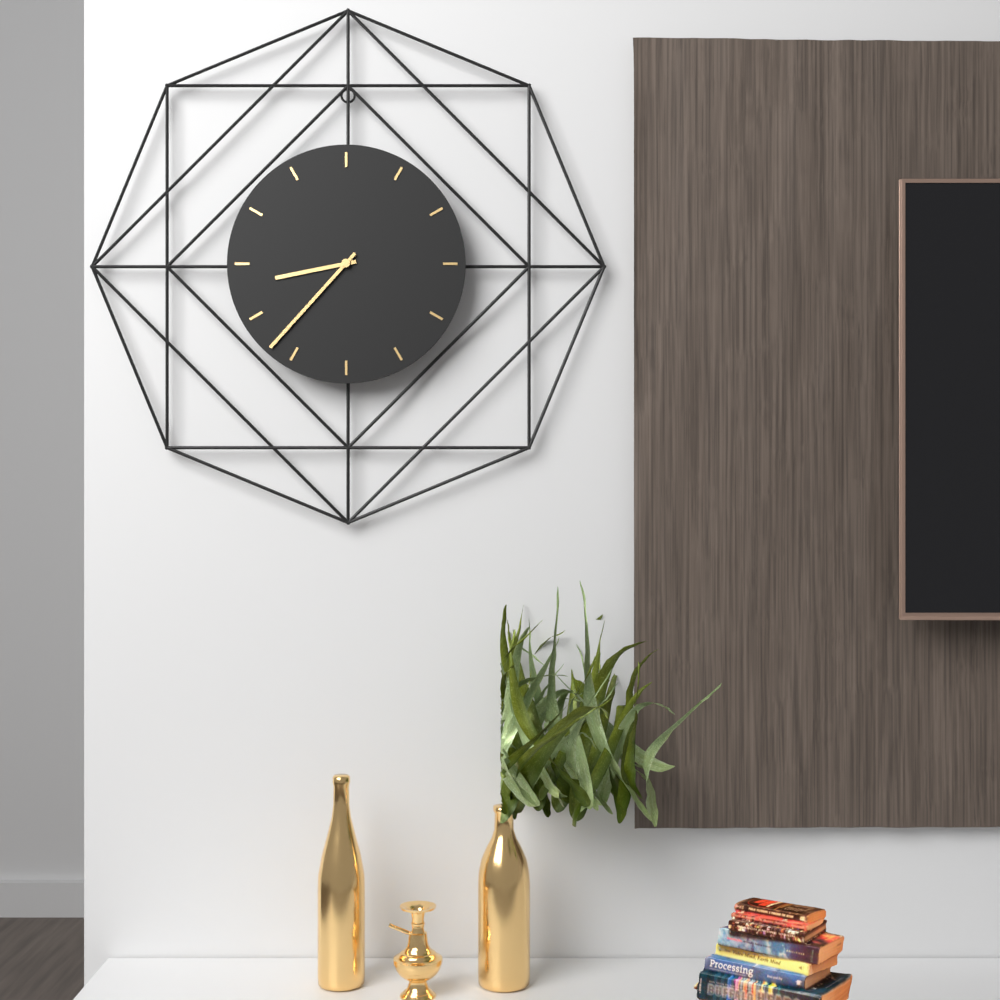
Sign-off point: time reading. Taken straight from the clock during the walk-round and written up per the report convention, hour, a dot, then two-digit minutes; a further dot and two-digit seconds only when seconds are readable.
8.37
